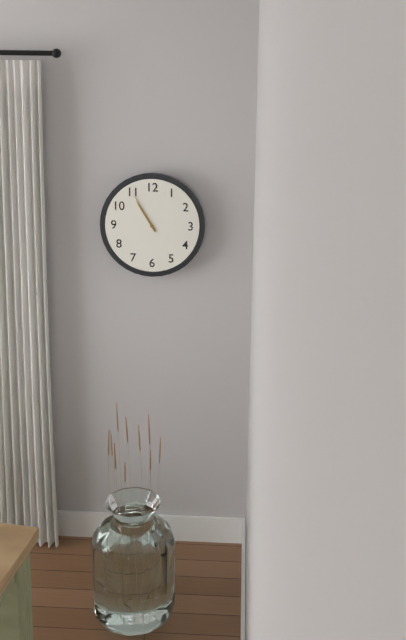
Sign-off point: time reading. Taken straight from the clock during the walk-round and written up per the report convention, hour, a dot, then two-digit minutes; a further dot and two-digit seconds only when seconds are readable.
10.55
